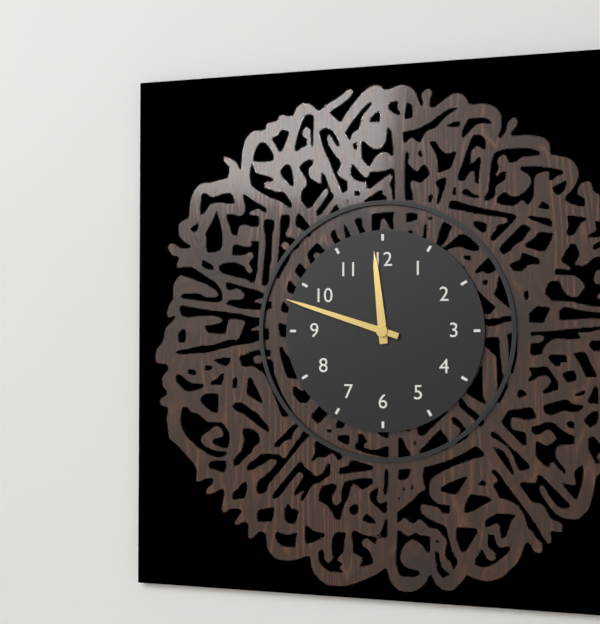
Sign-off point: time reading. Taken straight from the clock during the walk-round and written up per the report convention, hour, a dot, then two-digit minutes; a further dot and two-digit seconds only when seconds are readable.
11.48
